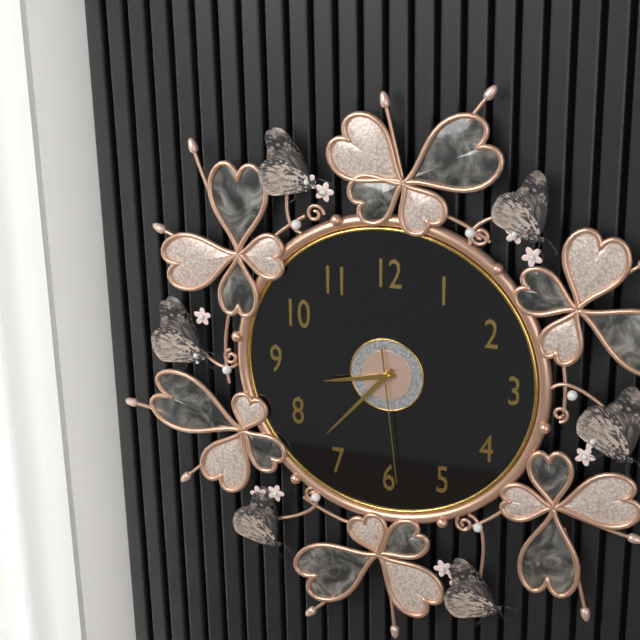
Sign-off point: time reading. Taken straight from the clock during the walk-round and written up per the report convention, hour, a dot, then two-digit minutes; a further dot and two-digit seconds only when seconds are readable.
8.37.29
